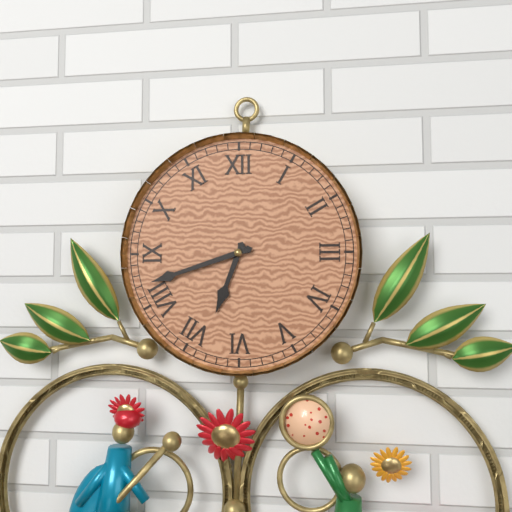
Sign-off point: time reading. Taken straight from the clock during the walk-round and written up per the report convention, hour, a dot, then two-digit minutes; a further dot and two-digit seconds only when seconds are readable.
6.42
